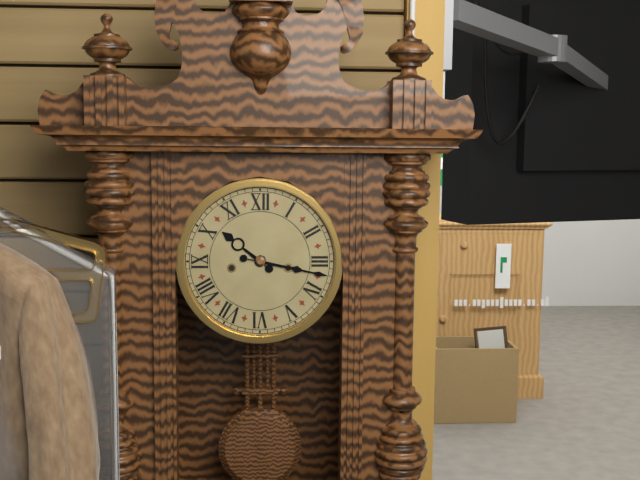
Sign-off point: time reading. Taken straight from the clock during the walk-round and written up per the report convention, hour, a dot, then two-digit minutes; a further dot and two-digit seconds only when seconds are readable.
10.17
